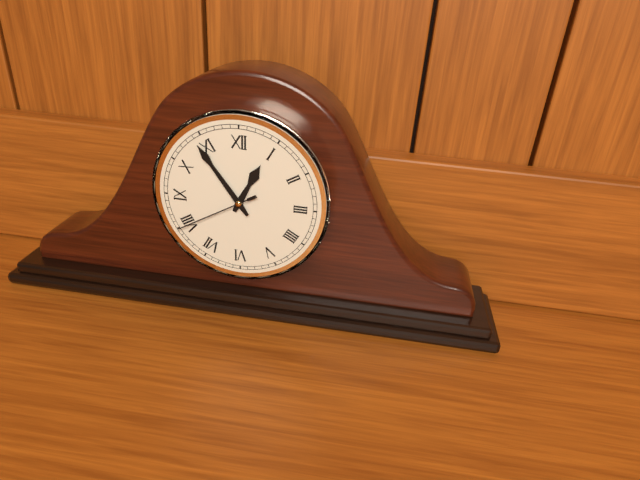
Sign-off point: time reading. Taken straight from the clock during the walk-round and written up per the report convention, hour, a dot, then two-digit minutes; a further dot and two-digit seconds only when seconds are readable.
12.54.40
